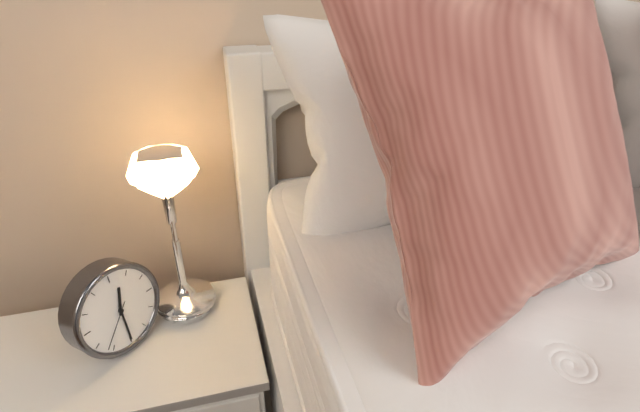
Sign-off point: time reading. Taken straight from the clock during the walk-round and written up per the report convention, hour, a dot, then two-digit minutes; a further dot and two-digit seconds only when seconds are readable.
12.30.37
